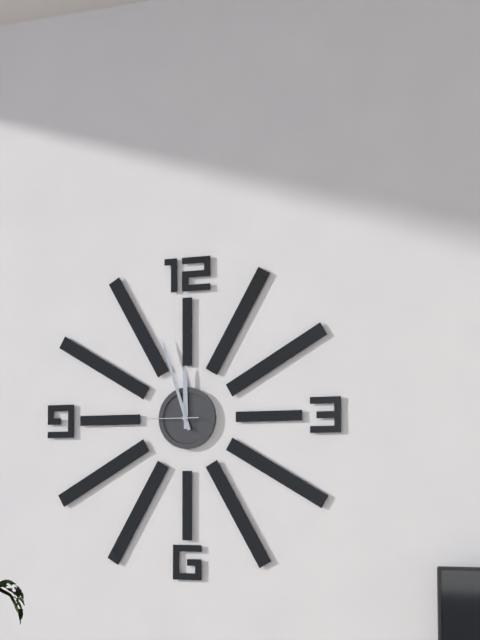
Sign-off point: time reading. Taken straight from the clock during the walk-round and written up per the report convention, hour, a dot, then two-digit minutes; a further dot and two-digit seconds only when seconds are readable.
11.57.45
